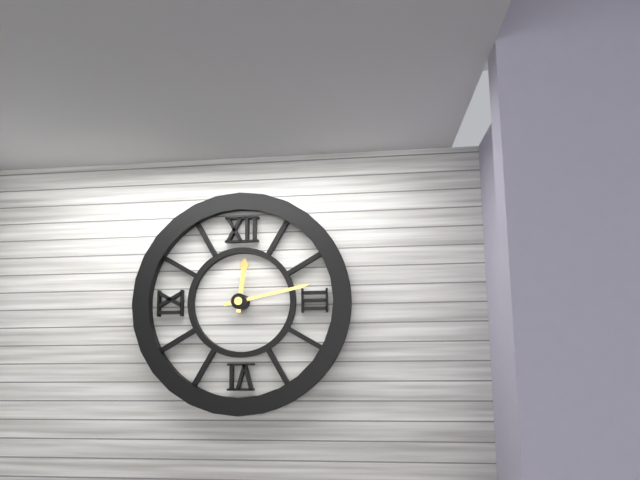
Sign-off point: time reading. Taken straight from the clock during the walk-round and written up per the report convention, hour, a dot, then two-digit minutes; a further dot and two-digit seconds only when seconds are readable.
12.13
